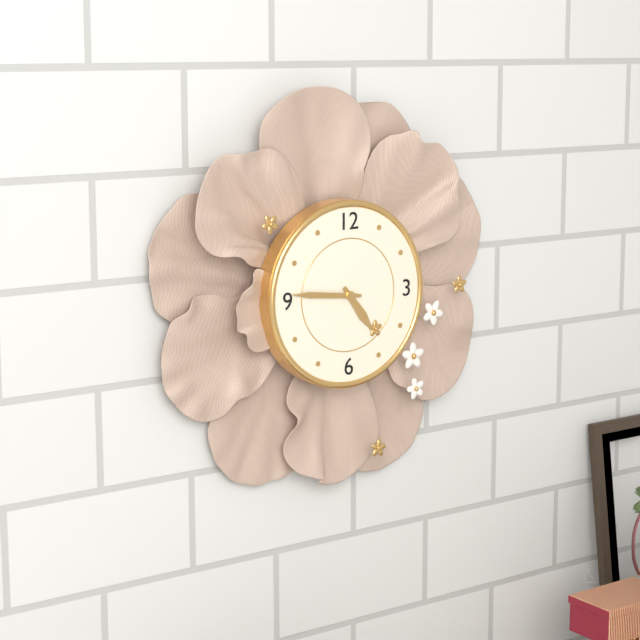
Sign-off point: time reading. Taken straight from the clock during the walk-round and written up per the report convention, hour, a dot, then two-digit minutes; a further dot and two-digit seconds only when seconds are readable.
4.46
